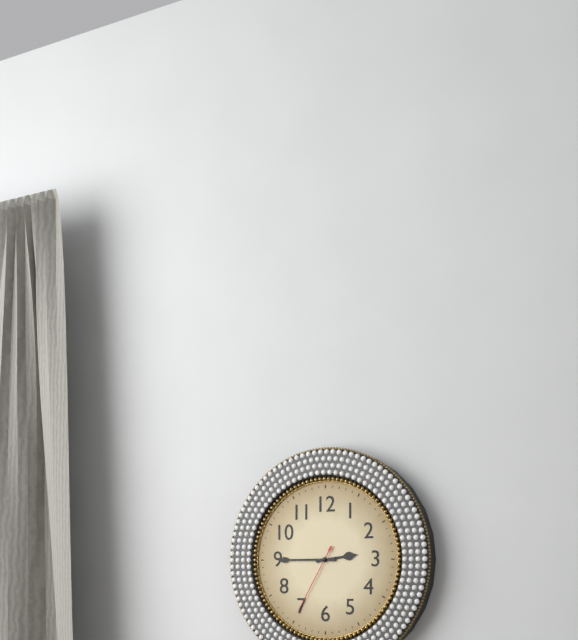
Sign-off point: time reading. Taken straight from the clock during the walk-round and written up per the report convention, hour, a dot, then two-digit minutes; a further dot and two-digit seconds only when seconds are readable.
2.45.35
